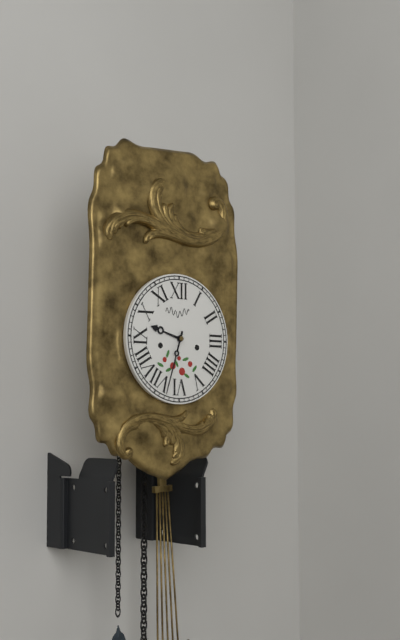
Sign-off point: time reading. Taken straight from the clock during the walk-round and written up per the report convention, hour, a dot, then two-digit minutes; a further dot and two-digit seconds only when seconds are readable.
9.33
